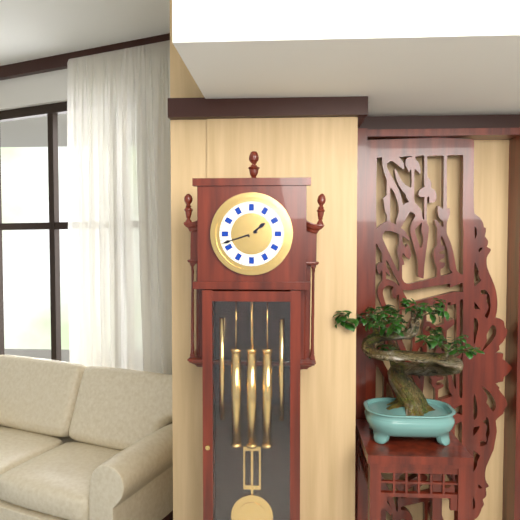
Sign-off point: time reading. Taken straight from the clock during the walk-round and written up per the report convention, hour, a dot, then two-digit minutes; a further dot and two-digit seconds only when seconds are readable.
1.42
